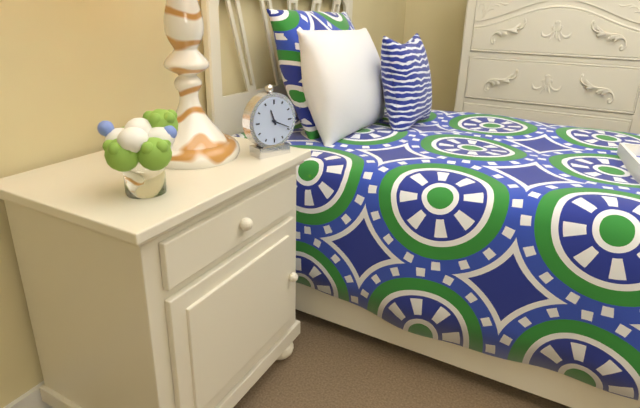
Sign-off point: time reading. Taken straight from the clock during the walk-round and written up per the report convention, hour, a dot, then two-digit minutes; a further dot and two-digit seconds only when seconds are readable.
11.19
